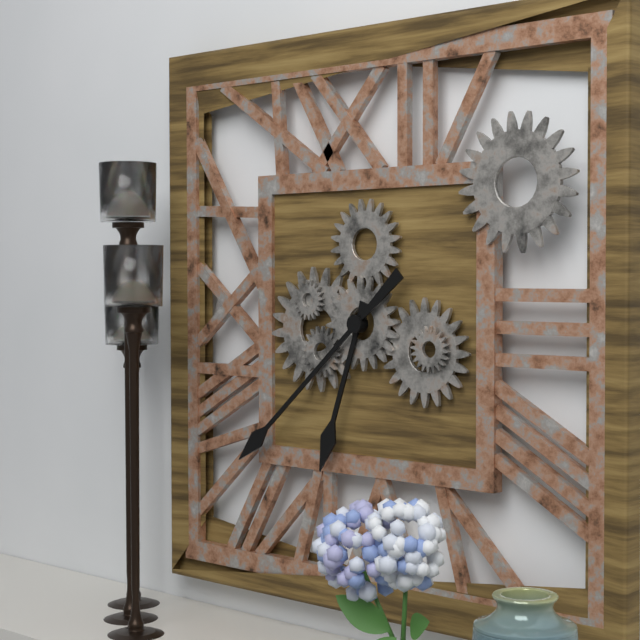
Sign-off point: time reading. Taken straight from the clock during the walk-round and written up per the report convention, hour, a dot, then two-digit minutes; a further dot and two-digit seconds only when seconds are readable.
6.38
